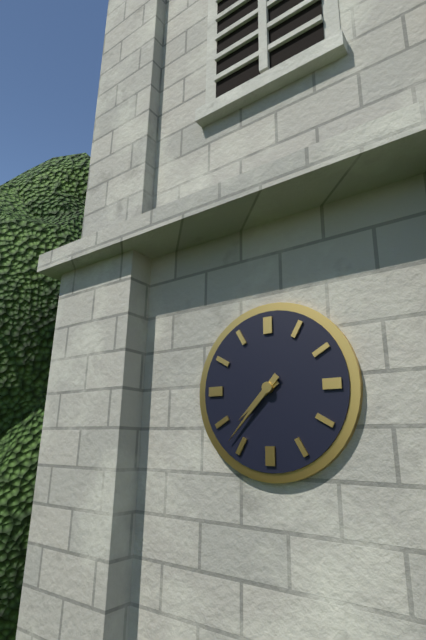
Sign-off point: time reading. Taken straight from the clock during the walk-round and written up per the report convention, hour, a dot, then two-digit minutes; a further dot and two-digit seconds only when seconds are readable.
7.37
